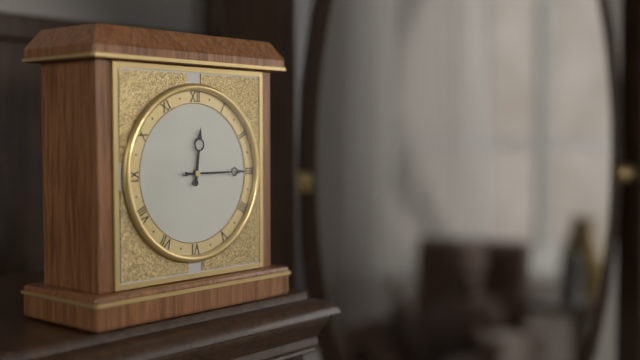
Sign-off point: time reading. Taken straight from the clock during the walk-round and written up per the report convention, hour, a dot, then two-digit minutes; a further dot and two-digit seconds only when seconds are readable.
12.15
